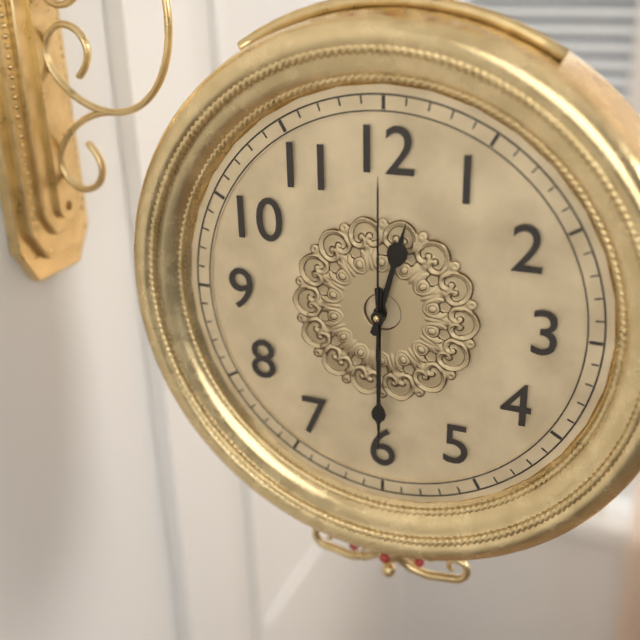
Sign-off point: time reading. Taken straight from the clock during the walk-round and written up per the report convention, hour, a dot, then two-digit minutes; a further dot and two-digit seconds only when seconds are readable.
12.30.00
